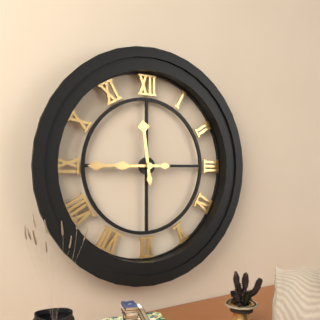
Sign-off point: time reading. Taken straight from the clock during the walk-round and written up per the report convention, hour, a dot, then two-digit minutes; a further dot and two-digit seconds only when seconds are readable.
11.45
